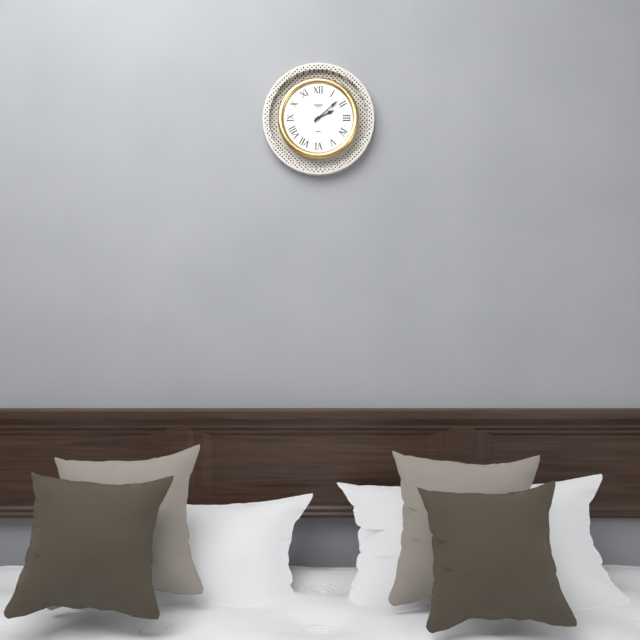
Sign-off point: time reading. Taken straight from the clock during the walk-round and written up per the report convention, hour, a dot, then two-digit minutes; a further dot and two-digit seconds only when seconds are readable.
2.08
